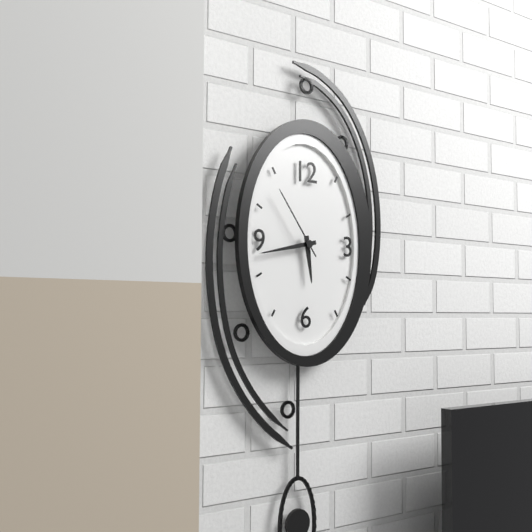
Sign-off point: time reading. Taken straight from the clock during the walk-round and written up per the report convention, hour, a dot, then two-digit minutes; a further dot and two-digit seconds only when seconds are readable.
5.43.54
